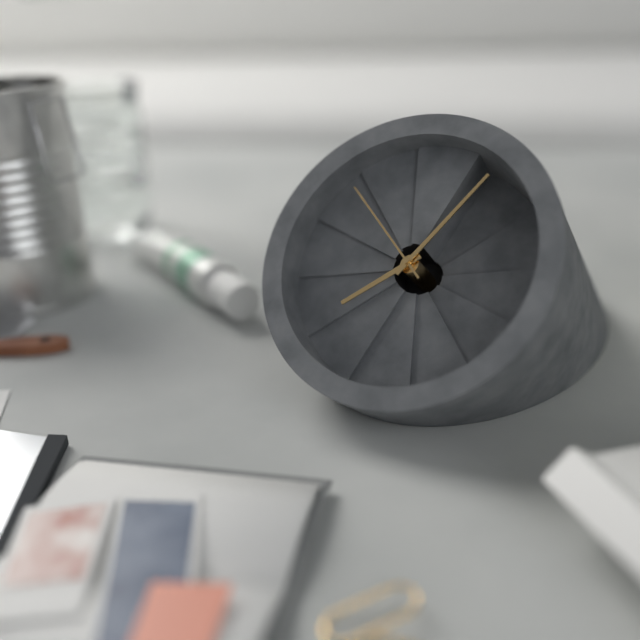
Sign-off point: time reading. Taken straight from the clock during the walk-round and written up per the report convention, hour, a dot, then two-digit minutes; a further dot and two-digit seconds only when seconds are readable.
7.02.49
